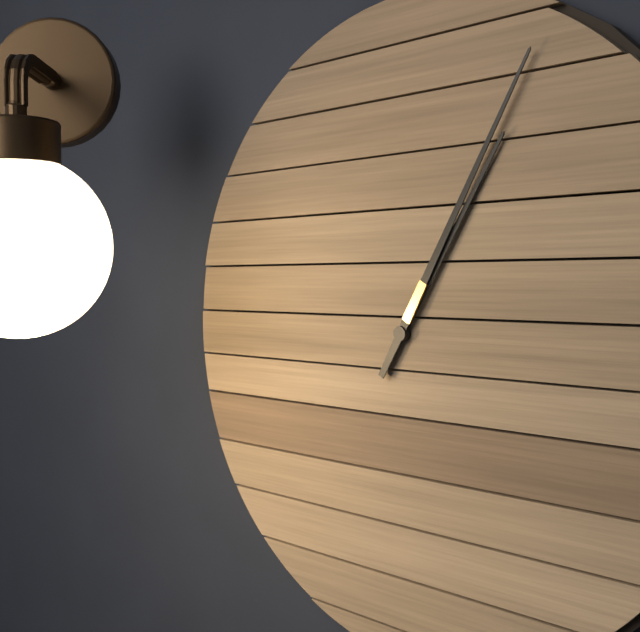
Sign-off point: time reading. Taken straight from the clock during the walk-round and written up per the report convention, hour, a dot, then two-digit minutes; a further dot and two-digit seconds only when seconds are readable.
1.05
